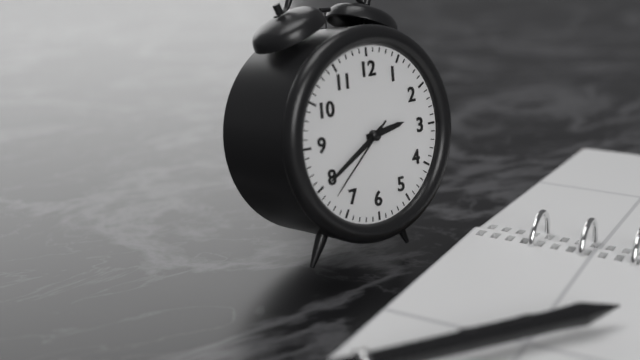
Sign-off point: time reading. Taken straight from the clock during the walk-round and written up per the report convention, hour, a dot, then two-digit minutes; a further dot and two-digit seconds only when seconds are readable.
2.40.38
